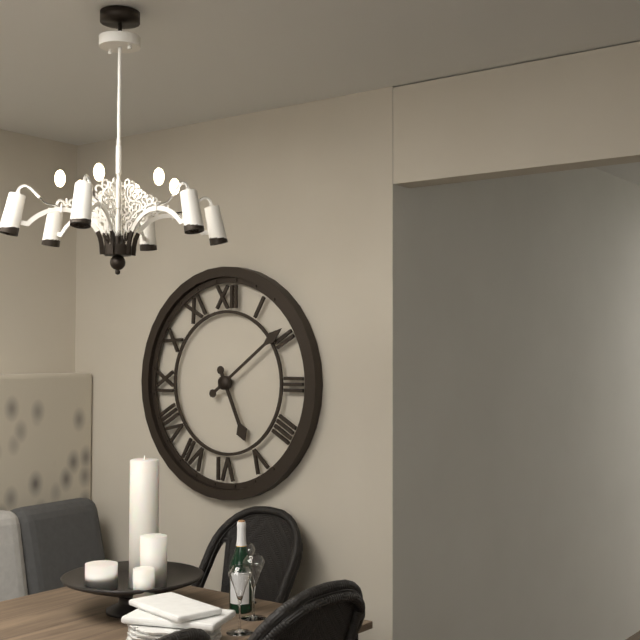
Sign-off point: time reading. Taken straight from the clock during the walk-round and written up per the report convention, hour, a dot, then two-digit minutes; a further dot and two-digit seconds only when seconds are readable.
5.09
